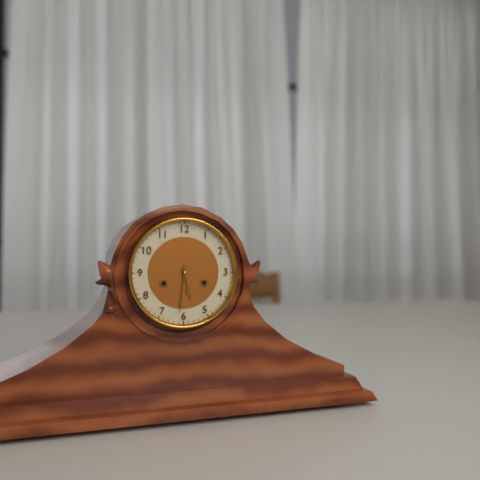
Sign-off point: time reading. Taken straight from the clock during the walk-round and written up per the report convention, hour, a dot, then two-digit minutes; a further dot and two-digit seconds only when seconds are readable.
5.31
